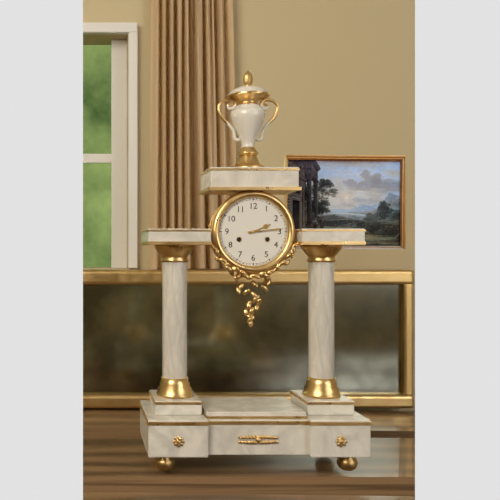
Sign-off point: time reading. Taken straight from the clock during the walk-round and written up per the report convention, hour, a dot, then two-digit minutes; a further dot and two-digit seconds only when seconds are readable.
2.14
